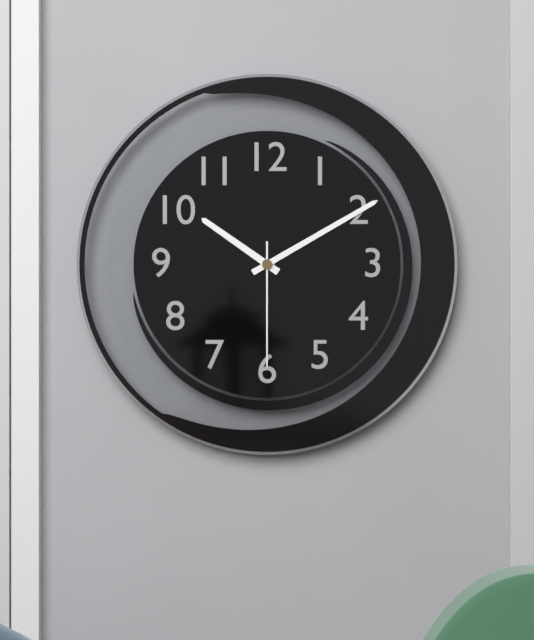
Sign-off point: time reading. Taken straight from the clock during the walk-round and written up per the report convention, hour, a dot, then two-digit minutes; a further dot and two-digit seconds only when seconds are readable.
10.10.30
